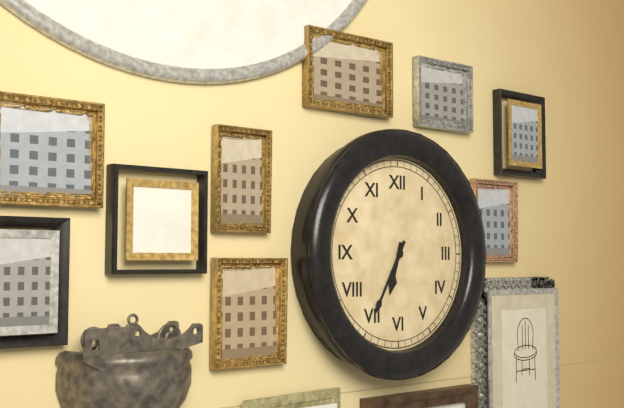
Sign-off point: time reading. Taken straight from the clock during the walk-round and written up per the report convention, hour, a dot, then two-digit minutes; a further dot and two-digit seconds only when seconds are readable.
6.35
